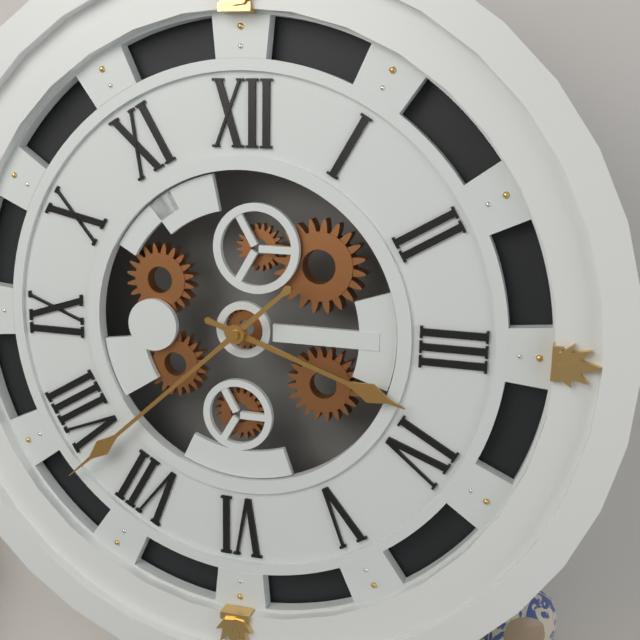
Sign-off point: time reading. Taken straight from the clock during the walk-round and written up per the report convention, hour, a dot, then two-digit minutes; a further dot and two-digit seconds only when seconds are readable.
3.38
